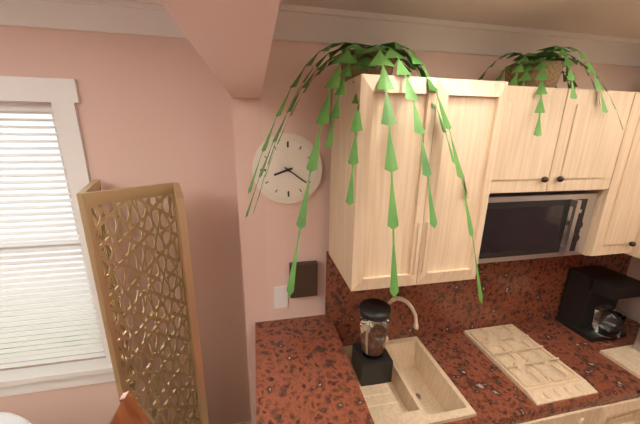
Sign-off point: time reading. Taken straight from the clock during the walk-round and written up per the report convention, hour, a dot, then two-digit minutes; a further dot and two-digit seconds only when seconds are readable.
8.21
